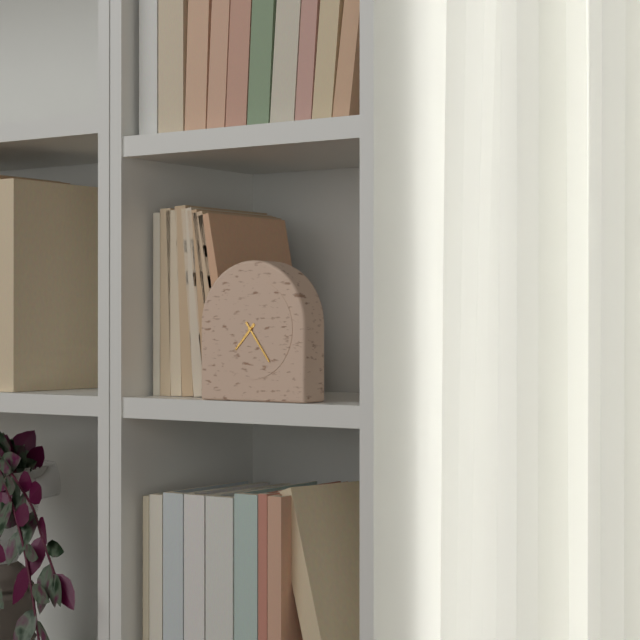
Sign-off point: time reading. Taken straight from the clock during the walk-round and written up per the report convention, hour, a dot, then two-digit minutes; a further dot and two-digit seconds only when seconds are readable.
7.24
